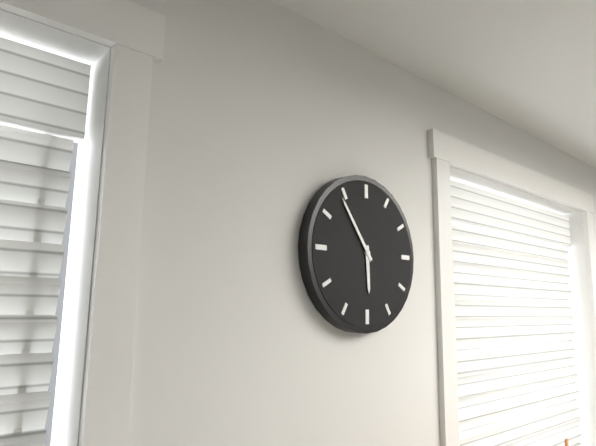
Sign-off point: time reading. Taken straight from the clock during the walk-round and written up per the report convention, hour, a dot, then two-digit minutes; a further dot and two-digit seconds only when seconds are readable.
5.54
